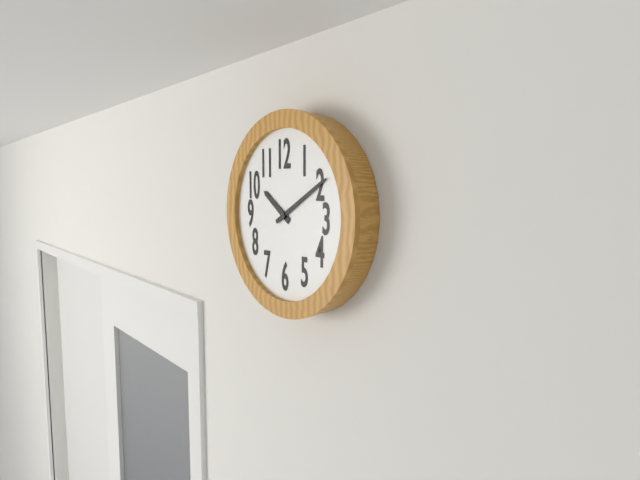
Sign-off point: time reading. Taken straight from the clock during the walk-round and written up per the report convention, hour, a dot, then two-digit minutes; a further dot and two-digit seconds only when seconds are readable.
10.10
